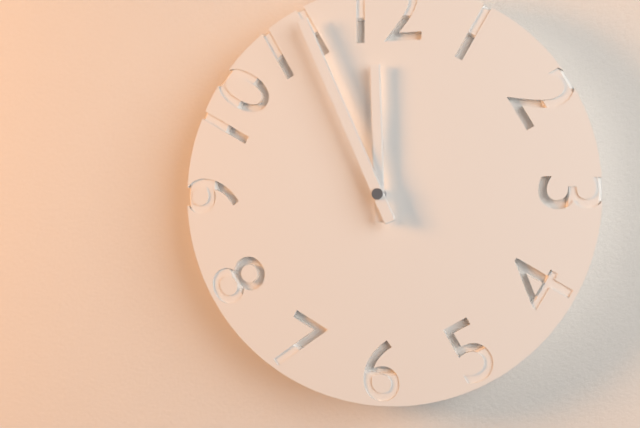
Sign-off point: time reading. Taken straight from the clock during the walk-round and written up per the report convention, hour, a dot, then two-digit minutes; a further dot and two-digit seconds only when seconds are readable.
11.56
